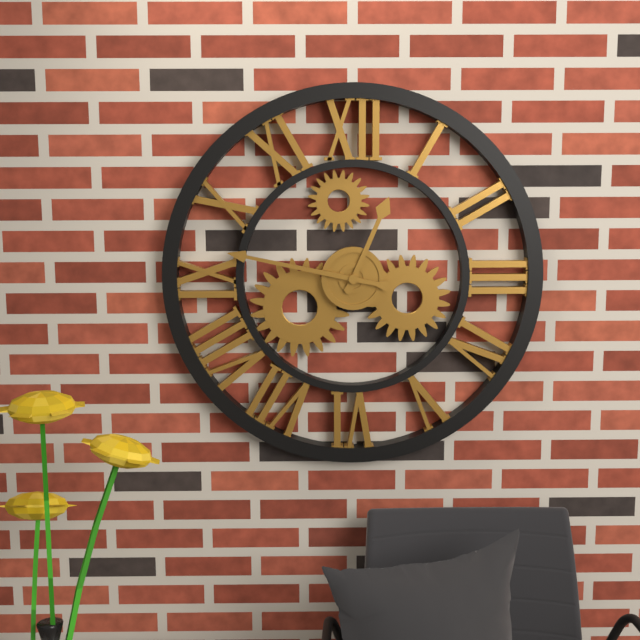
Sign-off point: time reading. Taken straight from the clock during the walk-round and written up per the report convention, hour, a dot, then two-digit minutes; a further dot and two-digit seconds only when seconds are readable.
12.47
